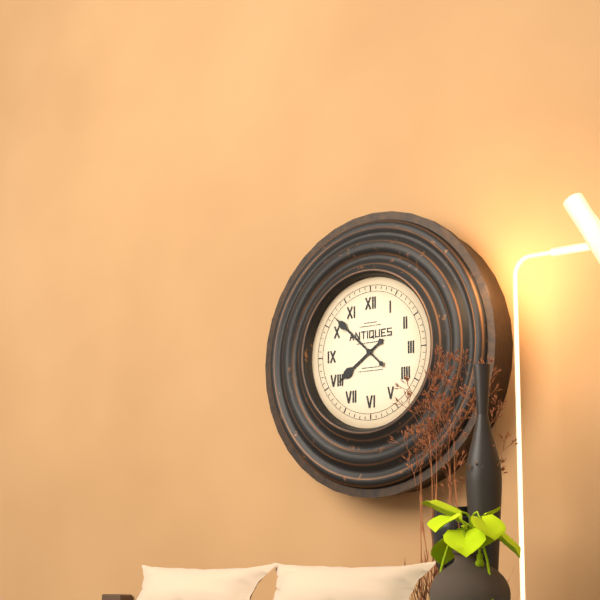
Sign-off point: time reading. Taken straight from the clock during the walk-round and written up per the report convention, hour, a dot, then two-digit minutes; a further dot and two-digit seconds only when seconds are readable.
7.52
